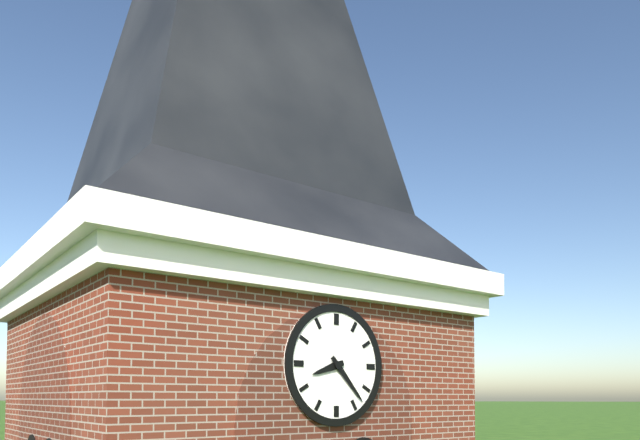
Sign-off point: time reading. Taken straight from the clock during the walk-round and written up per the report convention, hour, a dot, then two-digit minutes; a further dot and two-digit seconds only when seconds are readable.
8.23
